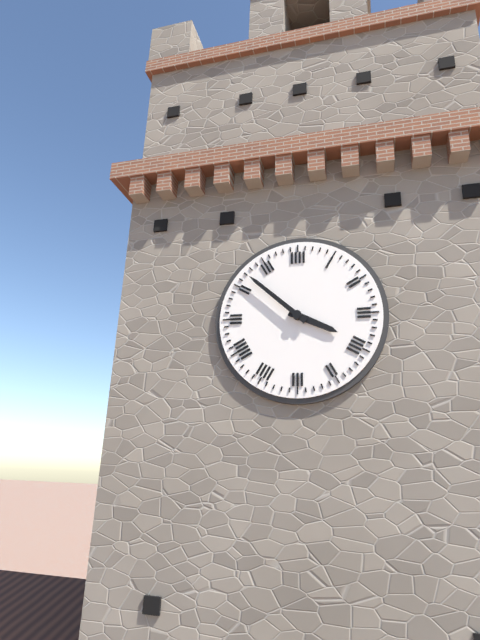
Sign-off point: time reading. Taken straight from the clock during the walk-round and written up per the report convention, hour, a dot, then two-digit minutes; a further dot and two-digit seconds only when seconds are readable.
3.52
